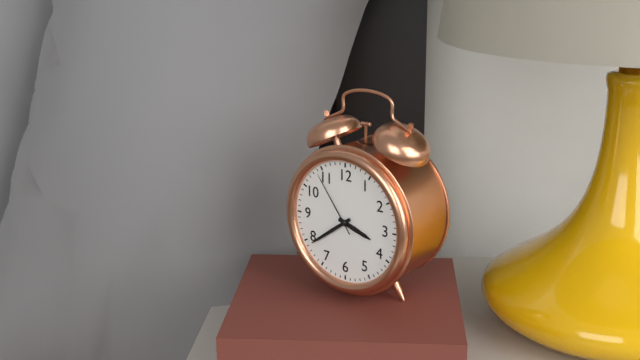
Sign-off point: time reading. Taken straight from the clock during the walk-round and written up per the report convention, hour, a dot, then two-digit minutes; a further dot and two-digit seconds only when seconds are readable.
3.39.54
